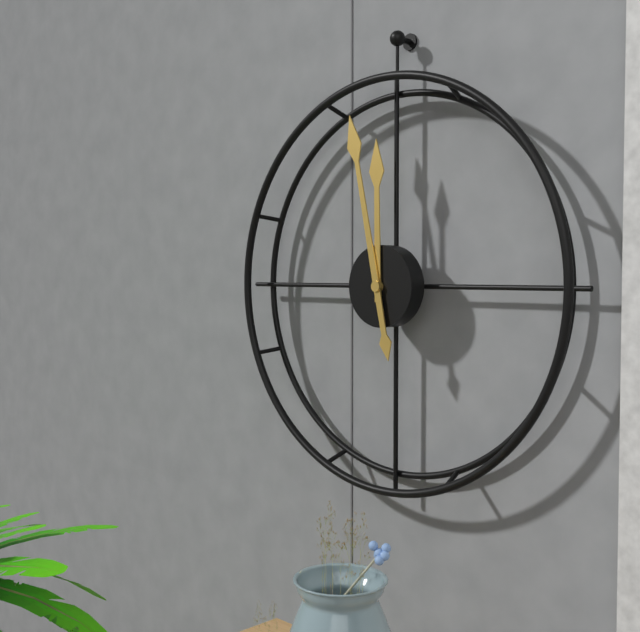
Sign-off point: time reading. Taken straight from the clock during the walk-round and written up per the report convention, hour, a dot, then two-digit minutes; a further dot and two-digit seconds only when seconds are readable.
11.58
